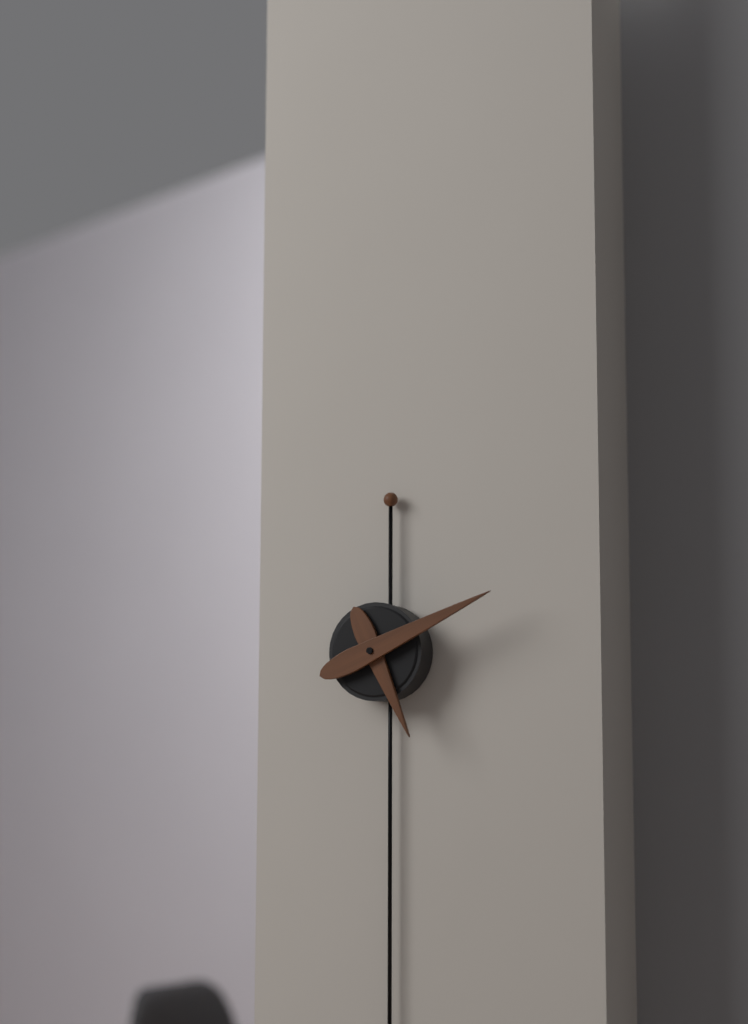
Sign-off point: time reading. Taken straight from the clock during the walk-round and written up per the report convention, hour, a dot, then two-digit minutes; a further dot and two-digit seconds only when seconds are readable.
5.11
